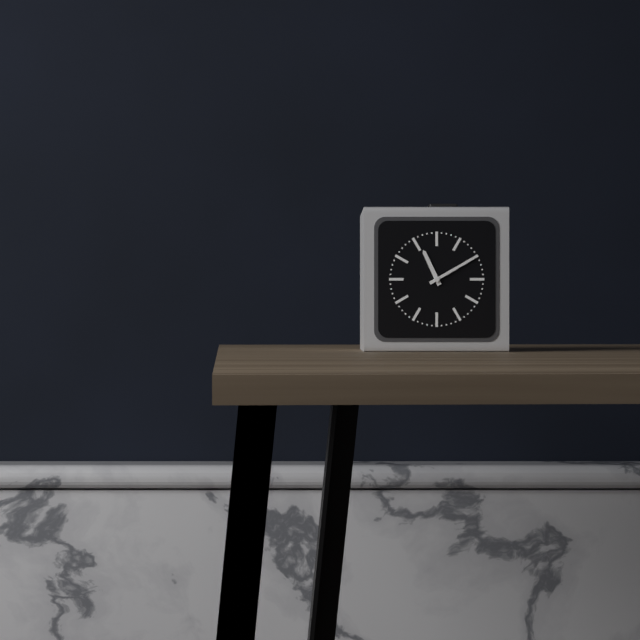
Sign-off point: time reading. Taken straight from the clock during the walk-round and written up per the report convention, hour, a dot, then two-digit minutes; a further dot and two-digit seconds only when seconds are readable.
11.10
